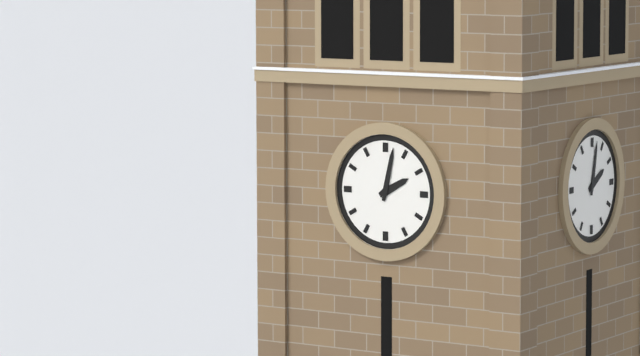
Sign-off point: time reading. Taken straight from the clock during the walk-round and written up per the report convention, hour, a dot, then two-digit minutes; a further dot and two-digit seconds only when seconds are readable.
2.02
